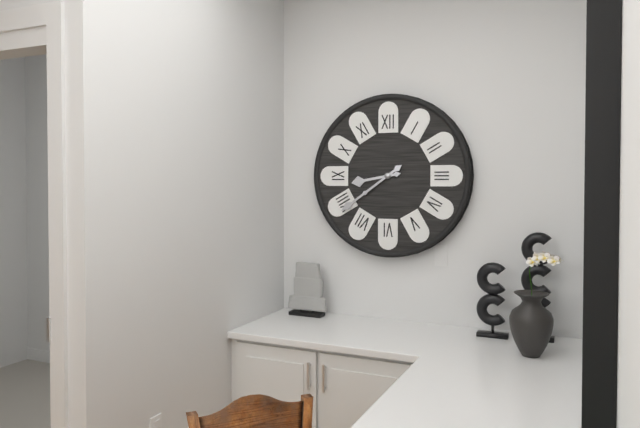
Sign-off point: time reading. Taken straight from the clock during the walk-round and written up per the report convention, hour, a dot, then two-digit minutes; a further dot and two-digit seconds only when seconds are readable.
8.39
